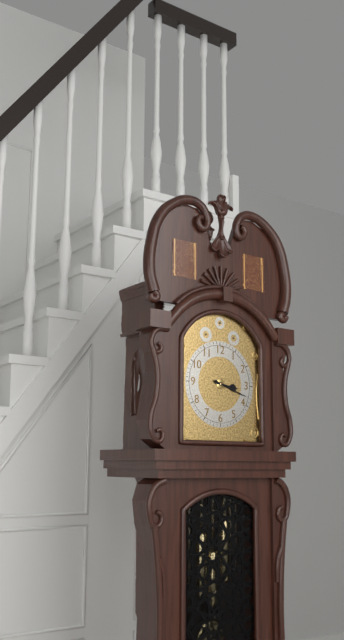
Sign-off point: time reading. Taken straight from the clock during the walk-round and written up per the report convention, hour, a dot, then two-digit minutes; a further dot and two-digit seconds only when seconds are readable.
3.18
